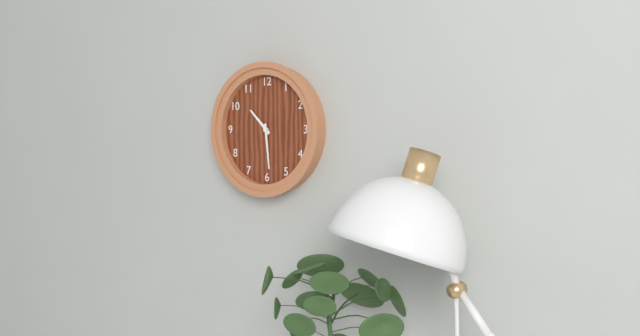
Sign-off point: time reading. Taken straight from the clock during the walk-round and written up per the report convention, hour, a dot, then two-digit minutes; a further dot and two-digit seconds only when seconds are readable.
10.29
